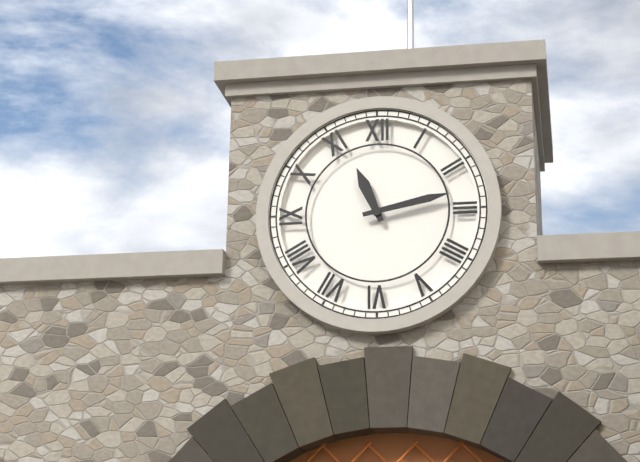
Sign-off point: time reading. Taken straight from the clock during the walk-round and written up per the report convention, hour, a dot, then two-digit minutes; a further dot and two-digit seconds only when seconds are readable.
11.13
